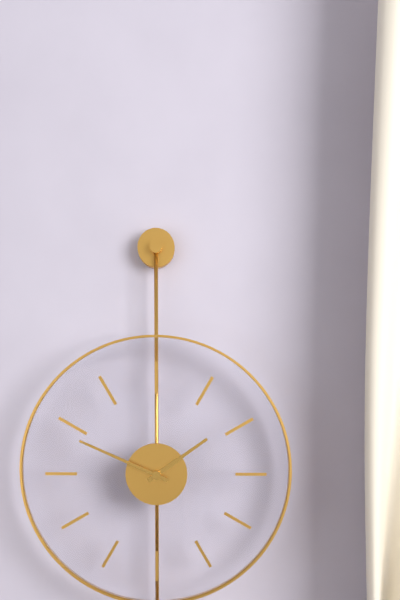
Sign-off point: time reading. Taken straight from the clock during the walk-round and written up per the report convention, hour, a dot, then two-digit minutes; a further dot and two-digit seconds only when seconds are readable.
1.49
